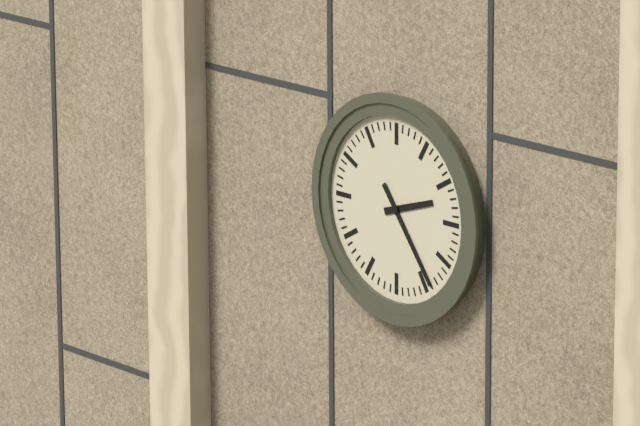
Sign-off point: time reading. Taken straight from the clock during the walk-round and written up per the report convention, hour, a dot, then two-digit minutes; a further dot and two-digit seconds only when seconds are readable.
2.24
